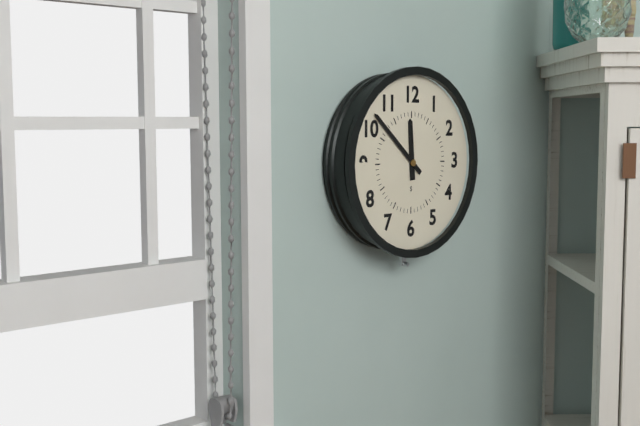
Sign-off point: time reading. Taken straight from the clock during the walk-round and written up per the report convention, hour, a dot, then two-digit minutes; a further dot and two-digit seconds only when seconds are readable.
11.52
